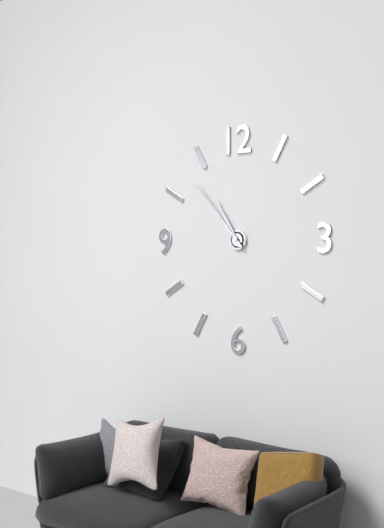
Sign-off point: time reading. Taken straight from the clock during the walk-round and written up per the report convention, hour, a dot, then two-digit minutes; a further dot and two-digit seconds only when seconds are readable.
10.53
